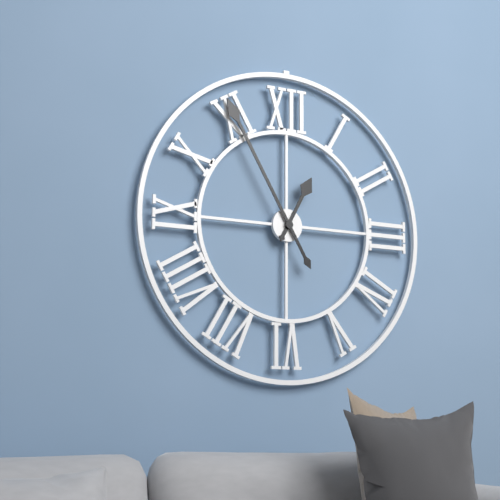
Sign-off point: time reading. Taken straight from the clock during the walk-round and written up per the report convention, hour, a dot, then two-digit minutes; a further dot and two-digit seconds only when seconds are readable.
12.55
